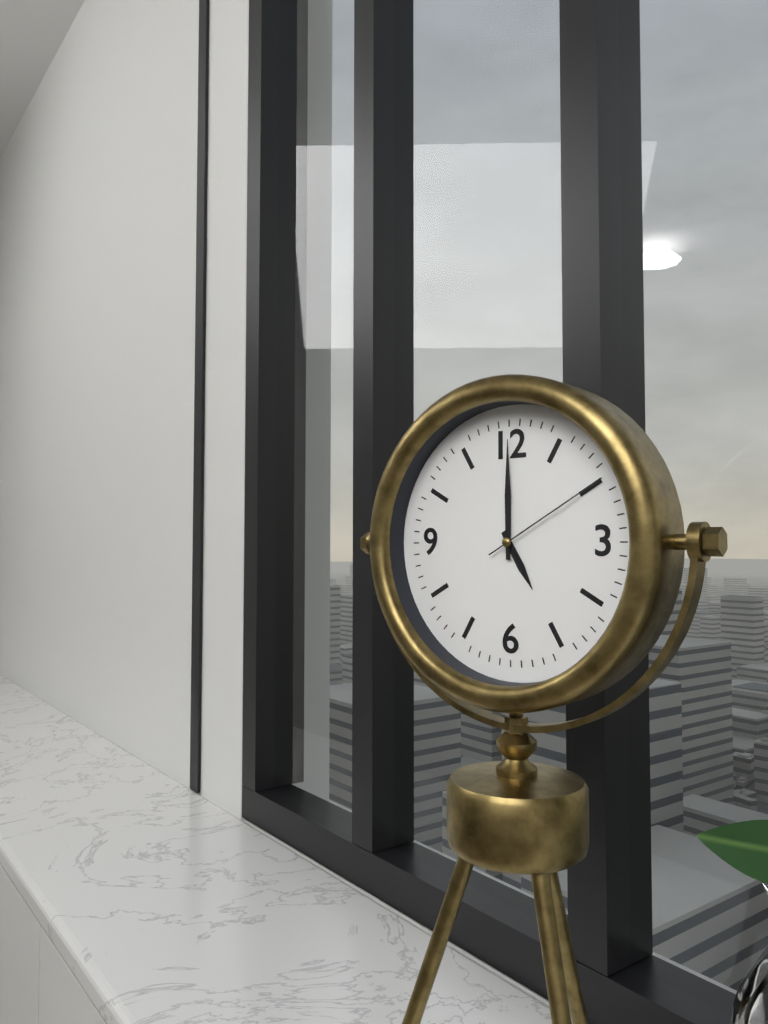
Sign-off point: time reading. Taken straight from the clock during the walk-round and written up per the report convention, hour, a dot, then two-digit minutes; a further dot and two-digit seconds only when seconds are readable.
5.00.10
